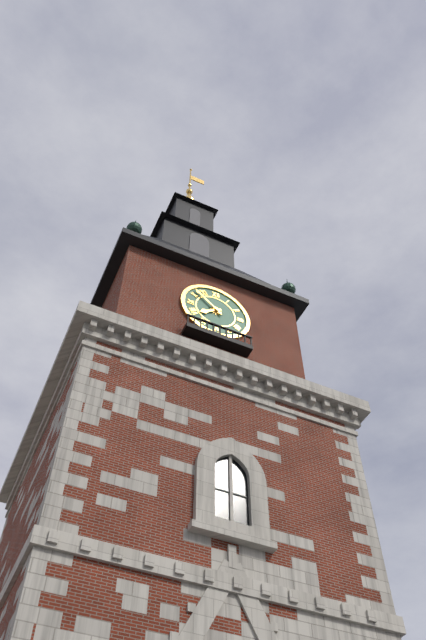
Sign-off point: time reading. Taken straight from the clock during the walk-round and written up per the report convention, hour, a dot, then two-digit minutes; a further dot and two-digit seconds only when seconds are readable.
7.52
